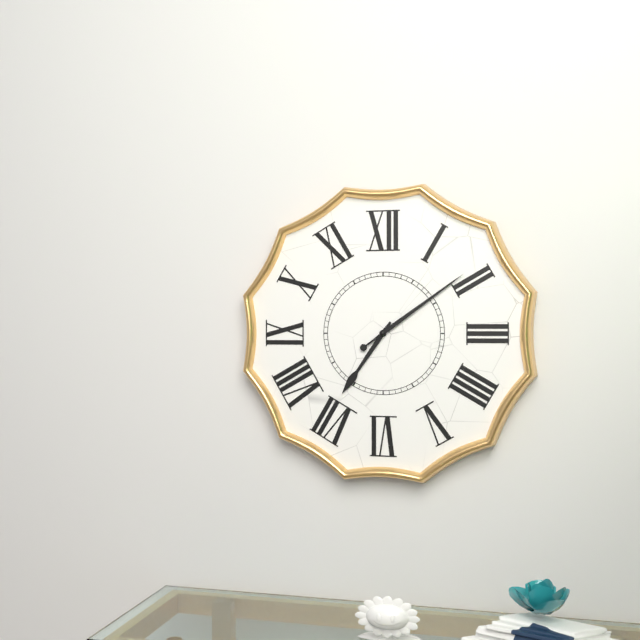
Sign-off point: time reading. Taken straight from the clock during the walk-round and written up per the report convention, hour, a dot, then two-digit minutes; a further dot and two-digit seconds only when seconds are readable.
7.09
